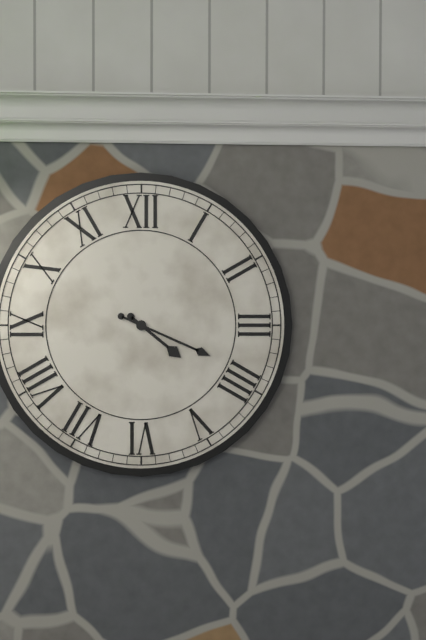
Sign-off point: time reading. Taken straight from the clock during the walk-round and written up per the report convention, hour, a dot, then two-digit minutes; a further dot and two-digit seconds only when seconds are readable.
4.19
